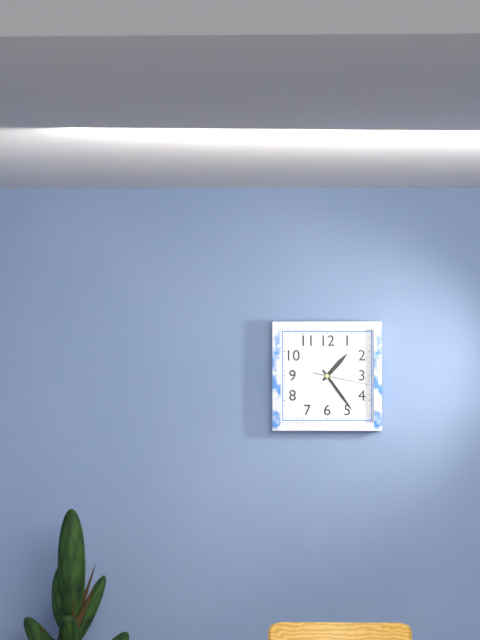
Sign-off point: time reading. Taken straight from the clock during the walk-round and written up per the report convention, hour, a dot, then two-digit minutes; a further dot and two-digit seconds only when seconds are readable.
1.24.17
